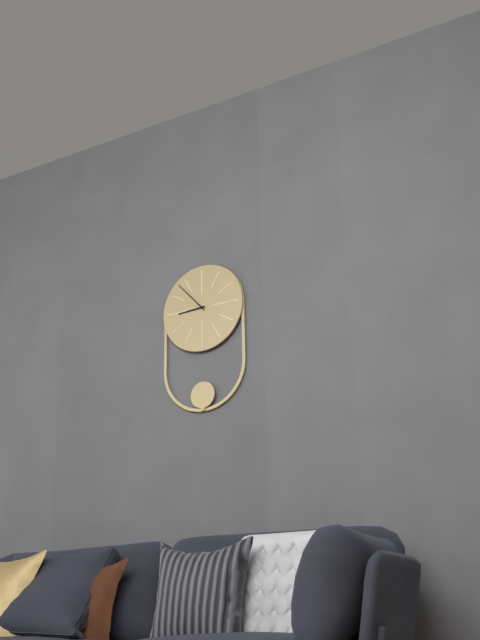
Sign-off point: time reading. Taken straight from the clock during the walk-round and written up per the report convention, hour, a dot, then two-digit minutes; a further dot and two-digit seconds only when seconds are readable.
8.53
